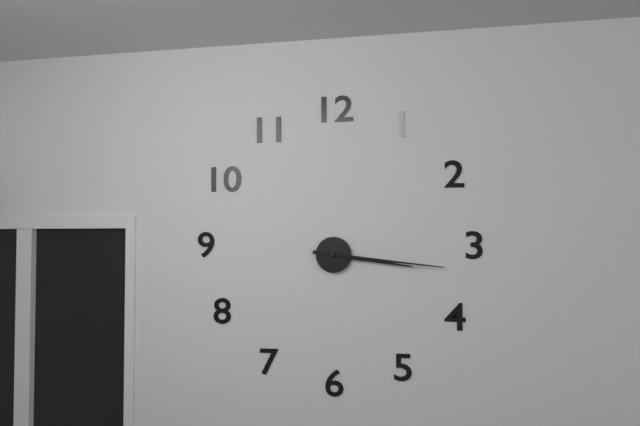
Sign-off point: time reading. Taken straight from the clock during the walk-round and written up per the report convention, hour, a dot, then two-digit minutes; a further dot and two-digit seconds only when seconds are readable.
3.16
